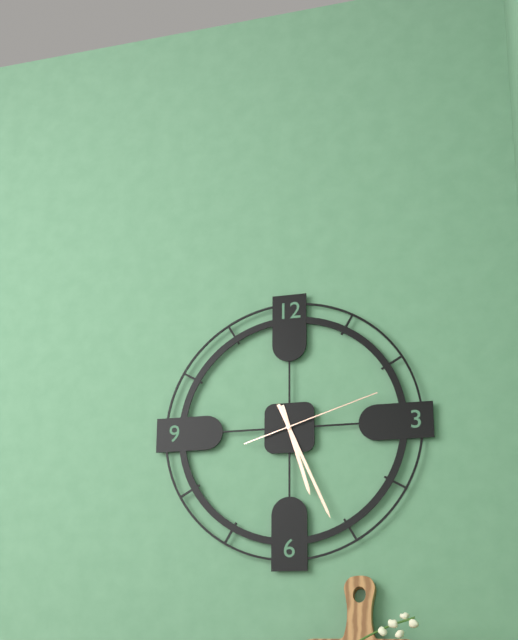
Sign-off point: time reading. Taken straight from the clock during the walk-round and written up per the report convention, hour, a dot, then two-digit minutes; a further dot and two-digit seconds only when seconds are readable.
5.26.12
